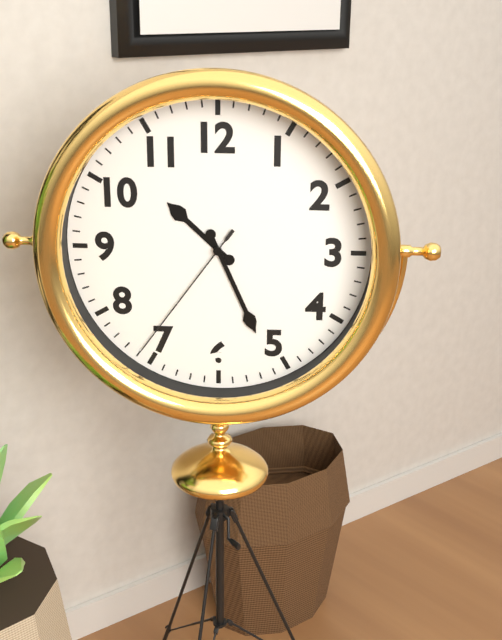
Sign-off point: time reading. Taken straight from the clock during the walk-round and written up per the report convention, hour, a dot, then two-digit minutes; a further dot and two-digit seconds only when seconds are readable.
10.26.36
